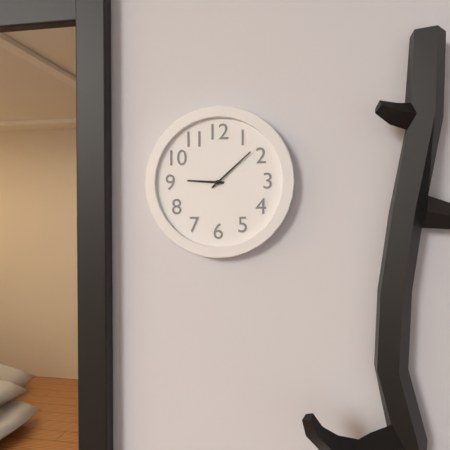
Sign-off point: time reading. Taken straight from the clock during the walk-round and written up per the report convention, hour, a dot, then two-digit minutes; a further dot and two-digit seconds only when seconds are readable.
9.08
